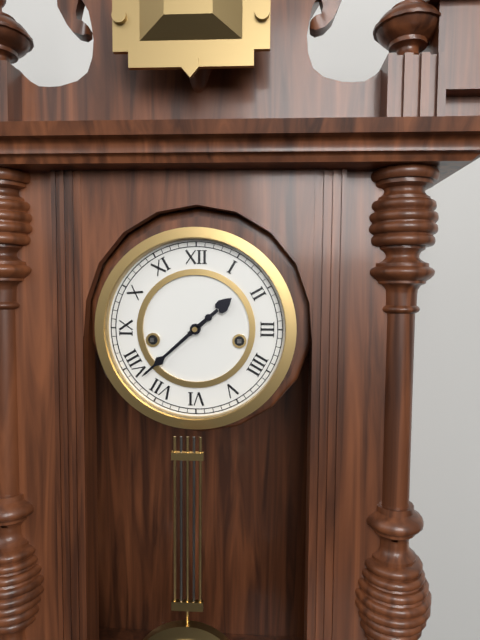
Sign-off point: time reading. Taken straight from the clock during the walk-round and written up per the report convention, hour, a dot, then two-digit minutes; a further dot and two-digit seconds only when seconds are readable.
1.38
